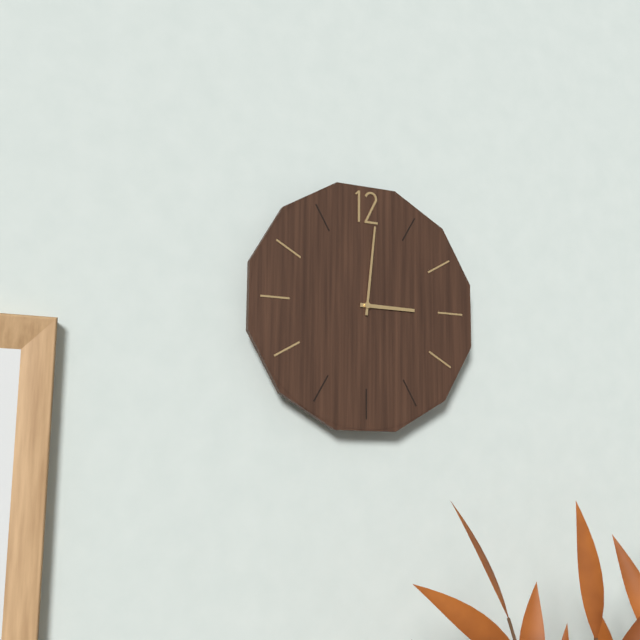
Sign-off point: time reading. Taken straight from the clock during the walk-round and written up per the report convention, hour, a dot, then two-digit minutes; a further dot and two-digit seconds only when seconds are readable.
3.01
